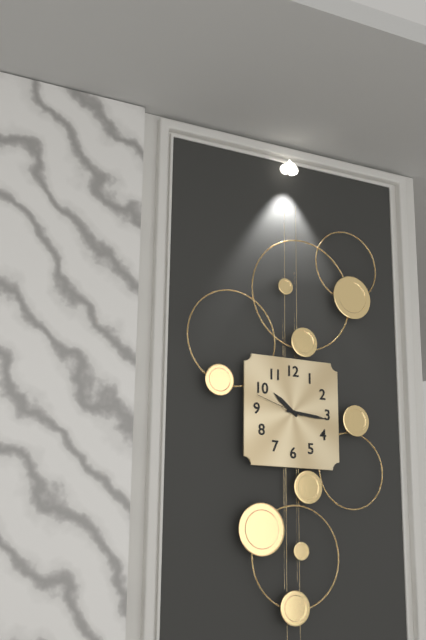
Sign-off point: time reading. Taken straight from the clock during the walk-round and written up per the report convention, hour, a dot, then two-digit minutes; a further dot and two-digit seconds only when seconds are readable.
10.16
